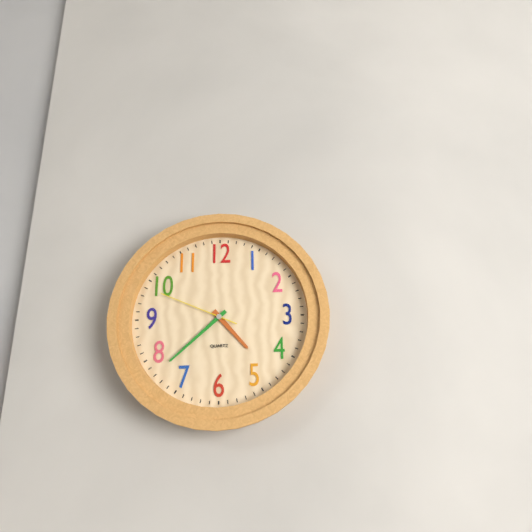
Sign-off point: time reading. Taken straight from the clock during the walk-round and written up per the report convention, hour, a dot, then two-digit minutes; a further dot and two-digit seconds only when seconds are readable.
4.38.49
